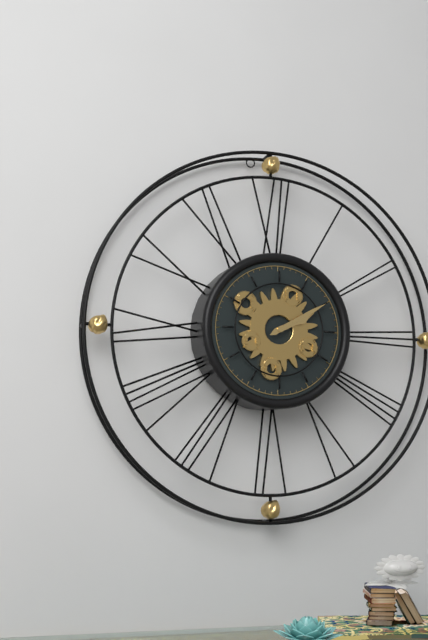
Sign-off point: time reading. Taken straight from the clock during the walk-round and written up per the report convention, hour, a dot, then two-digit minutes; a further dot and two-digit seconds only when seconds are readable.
2.10
